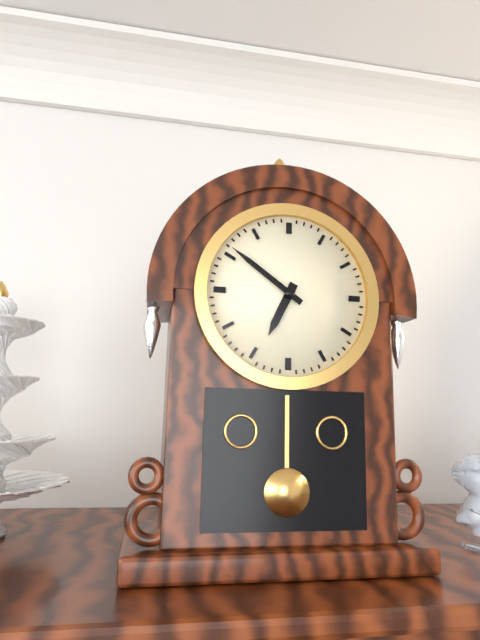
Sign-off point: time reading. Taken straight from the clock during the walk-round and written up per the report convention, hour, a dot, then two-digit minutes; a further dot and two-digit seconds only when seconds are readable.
6.51
